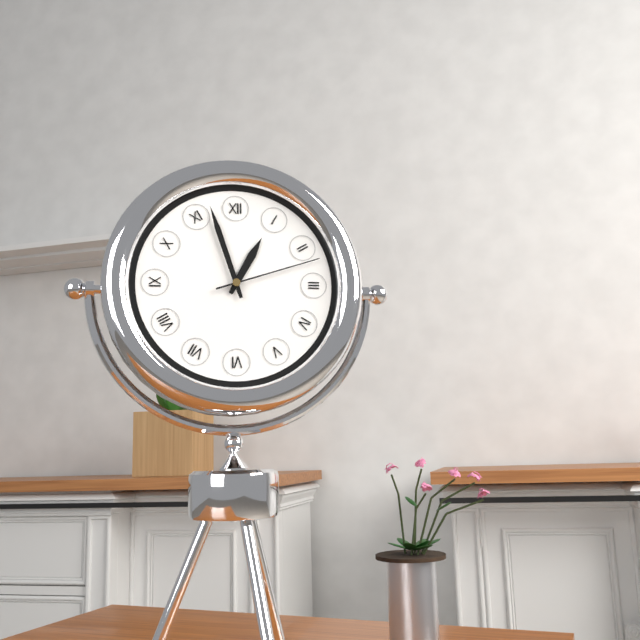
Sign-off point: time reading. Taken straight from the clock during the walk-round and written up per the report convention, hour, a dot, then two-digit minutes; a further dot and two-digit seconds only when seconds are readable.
12.57.12
